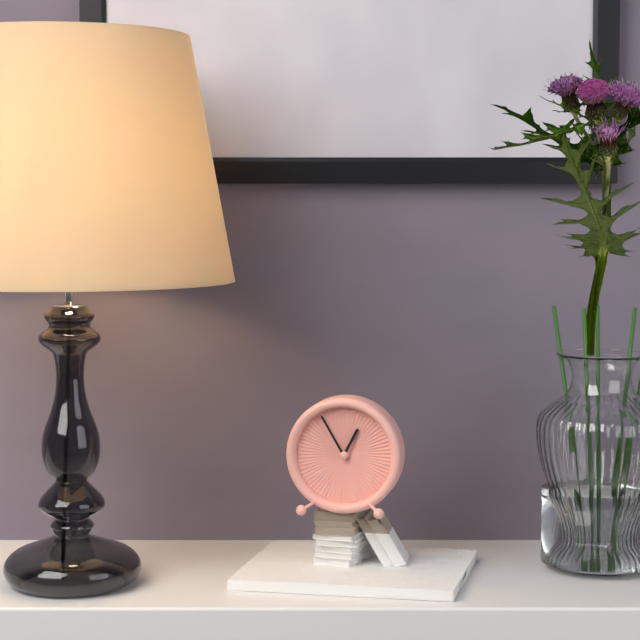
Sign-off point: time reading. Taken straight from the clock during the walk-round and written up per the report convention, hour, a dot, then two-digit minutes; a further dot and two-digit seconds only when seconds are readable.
12.55
